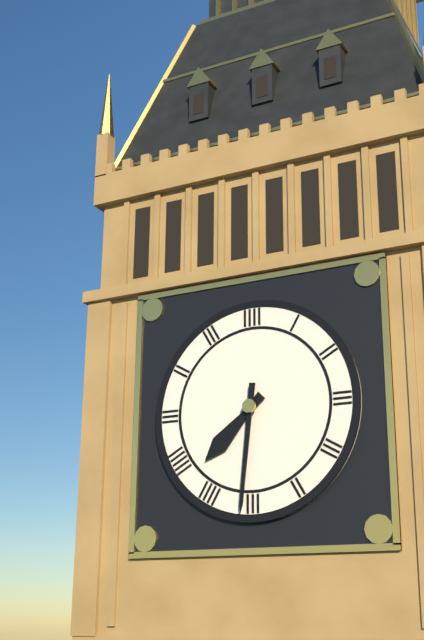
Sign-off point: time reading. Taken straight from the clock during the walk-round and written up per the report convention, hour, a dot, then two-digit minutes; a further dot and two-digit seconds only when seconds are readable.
7.31
